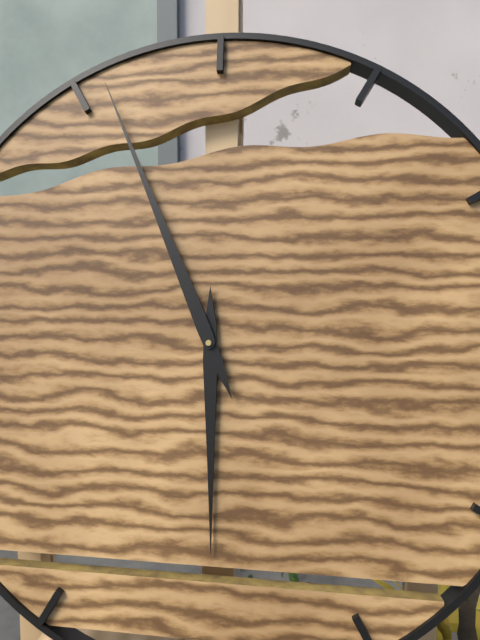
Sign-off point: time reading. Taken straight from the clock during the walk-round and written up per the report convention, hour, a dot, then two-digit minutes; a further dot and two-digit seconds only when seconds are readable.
5.56
